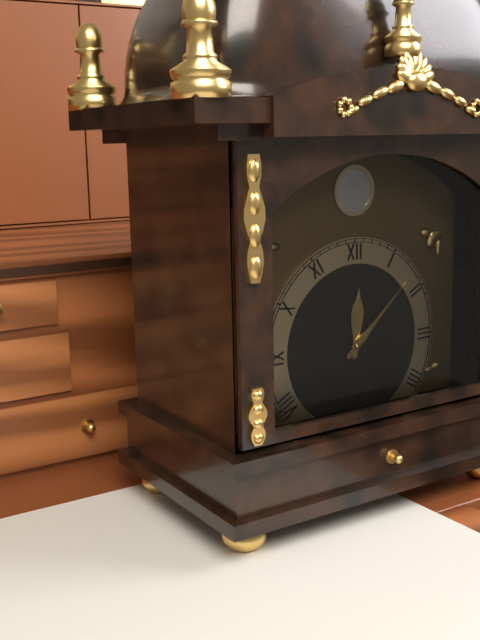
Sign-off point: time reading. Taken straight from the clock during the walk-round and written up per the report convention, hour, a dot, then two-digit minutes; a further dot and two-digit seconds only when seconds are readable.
12.08
